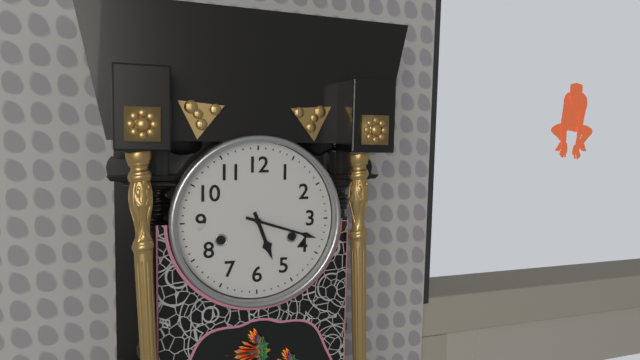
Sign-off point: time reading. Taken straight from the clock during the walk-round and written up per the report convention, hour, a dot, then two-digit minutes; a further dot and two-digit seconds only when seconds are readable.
5.18
